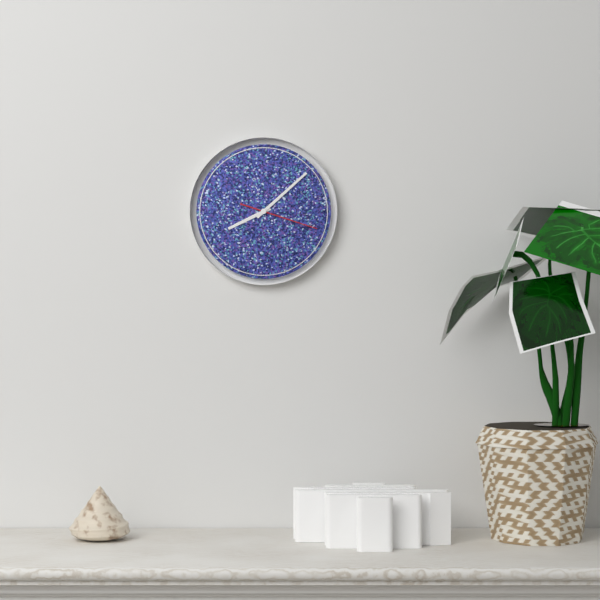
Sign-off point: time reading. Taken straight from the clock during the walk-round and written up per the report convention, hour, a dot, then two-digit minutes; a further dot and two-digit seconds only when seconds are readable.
8.08.18
